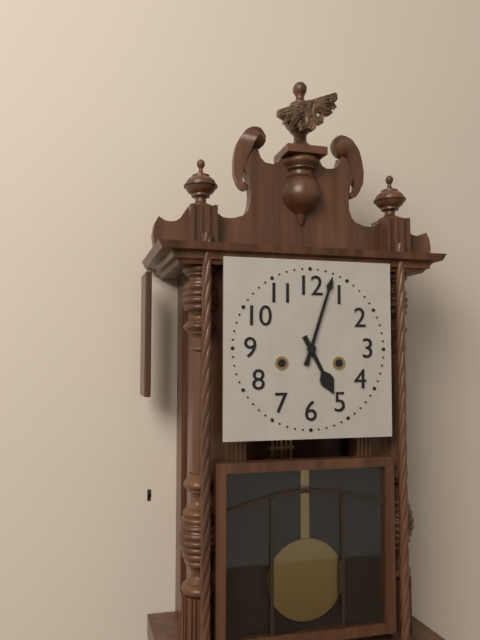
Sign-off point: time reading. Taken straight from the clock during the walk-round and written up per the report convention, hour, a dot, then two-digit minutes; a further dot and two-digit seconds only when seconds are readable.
5.03
